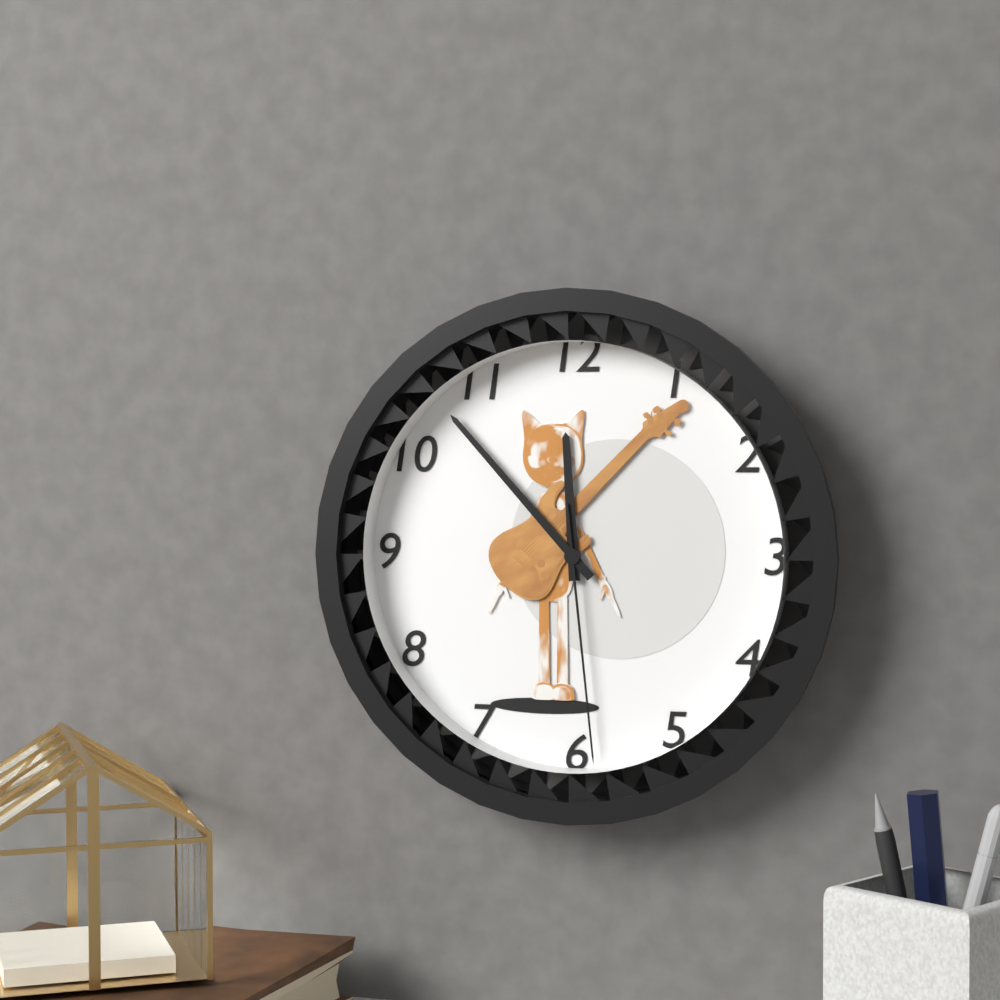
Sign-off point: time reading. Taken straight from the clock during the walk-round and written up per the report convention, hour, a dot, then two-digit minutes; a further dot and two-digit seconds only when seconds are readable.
11.53.29
